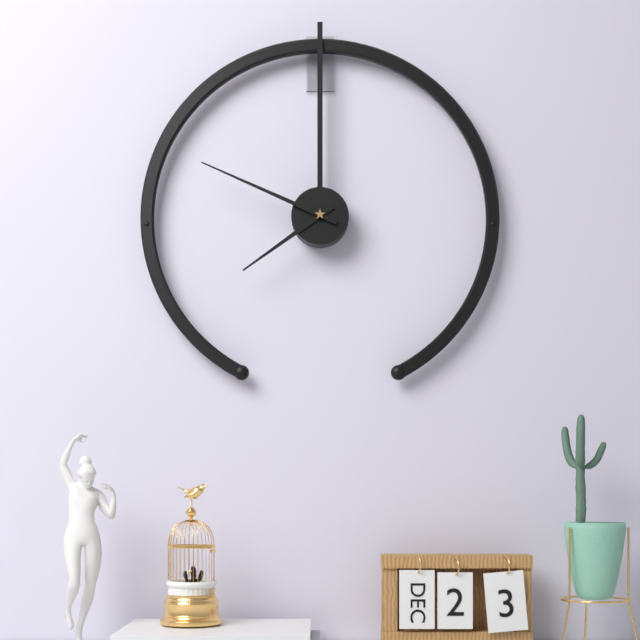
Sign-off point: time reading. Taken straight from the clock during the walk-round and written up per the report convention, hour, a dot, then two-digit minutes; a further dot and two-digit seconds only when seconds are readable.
7.49
